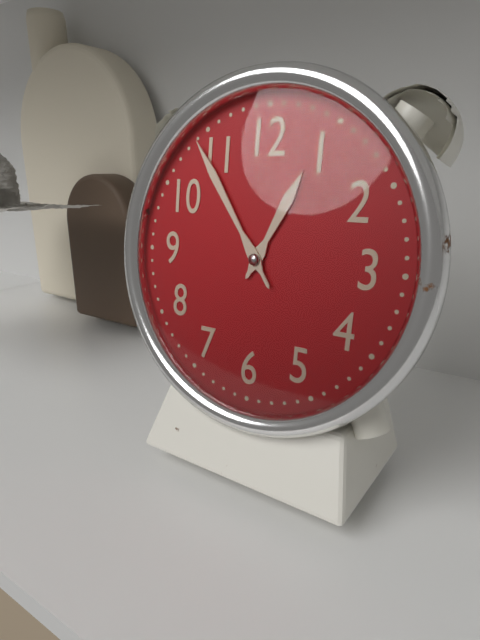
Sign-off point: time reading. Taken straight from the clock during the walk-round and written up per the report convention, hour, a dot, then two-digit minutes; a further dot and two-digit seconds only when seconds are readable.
12.54
